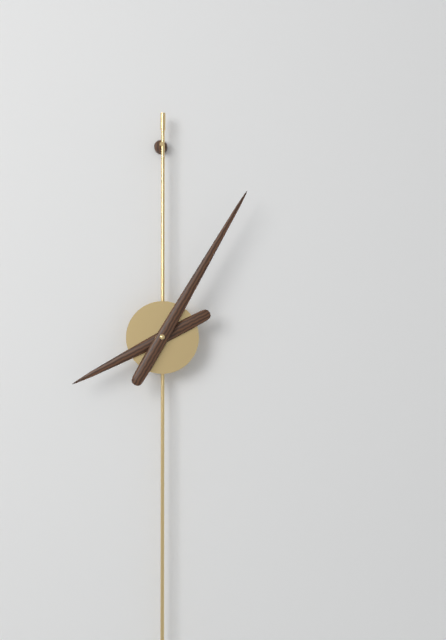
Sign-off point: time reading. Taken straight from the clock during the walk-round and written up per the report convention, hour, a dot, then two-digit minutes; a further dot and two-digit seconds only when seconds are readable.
8.05
